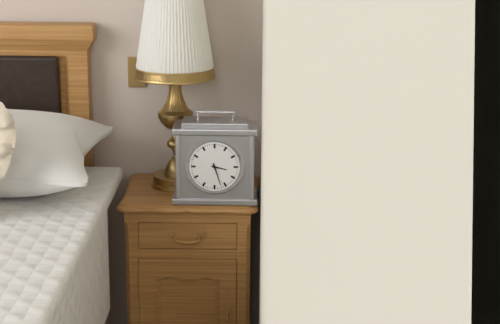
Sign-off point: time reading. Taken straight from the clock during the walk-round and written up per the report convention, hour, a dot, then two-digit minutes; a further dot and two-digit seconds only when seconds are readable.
3.27
